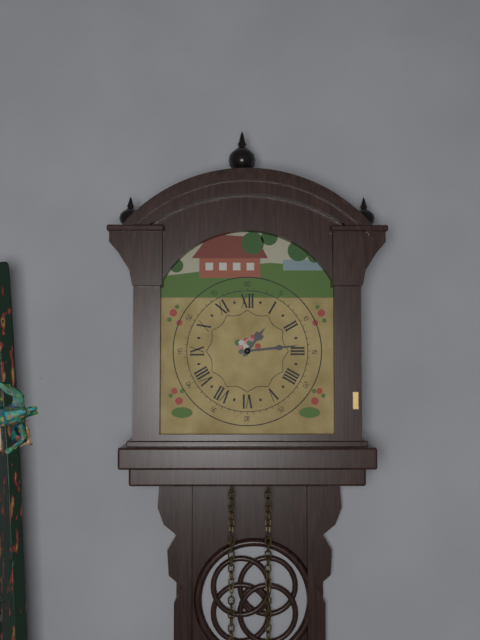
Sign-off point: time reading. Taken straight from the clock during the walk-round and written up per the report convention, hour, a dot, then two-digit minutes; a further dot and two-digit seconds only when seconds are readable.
1.14
